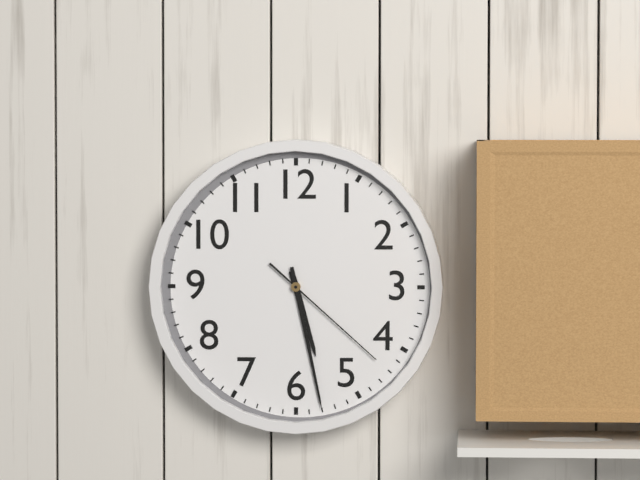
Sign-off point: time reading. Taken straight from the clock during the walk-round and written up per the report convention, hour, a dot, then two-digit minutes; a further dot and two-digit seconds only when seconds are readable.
5.28.22
